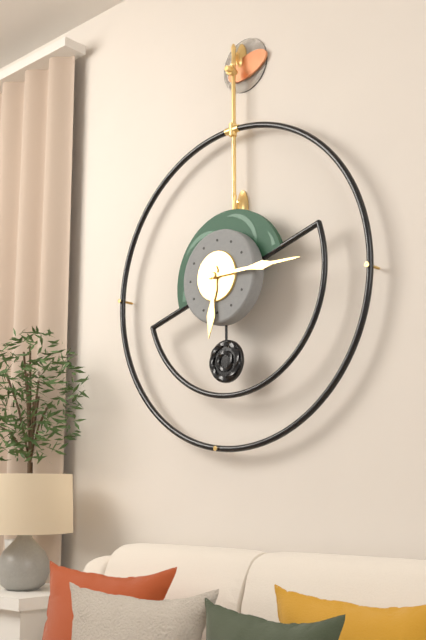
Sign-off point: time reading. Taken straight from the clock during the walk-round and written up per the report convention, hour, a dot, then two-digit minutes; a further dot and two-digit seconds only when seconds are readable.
6.15
